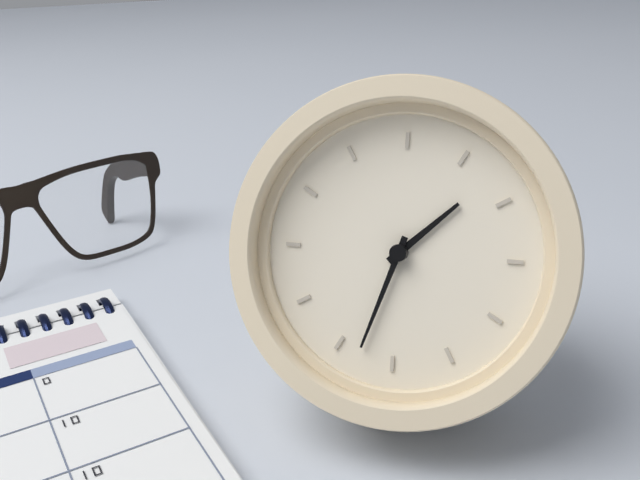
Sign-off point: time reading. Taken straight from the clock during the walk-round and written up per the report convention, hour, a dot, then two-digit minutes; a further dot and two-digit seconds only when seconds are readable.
1.33
